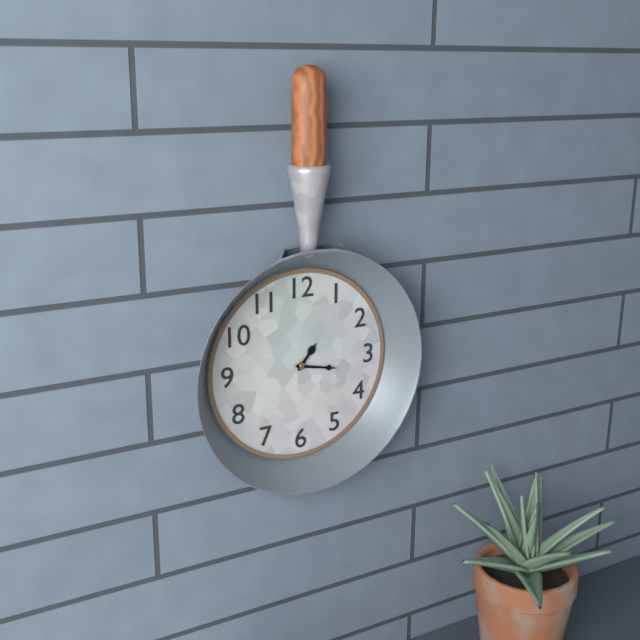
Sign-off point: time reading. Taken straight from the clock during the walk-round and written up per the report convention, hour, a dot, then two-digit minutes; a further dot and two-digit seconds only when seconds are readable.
1.17
